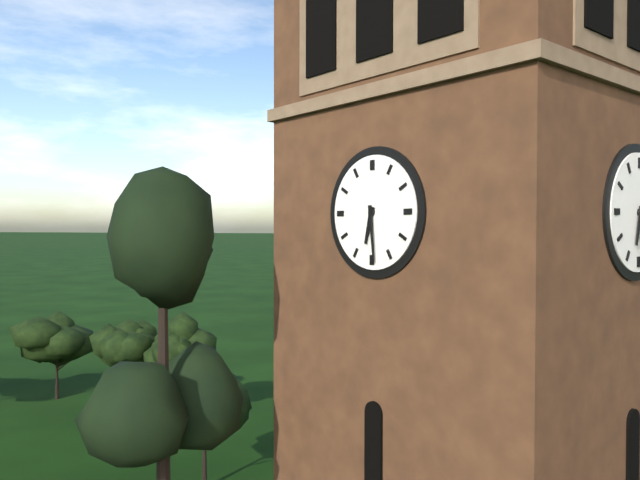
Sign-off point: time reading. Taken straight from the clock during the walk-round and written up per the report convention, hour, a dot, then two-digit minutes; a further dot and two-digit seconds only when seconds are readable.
6.29
